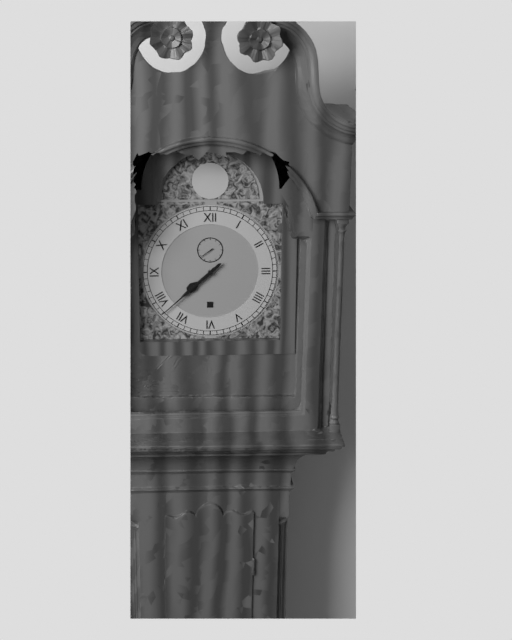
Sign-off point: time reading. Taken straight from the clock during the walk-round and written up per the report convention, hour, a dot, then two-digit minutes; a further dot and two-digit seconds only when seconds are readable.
7.38
